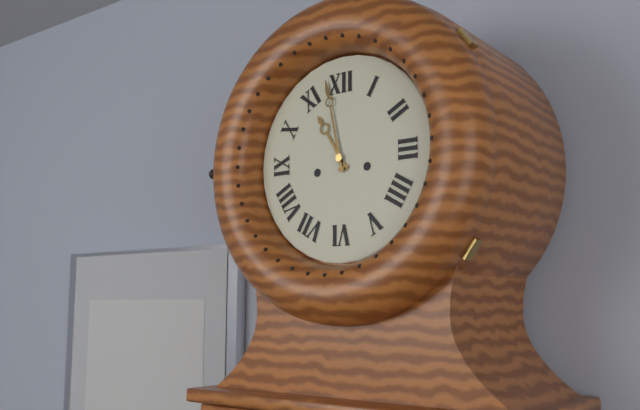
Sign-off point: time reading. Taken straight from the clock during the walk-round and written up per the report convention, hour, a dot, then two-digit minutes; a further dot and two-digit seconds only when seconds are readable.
10.58
